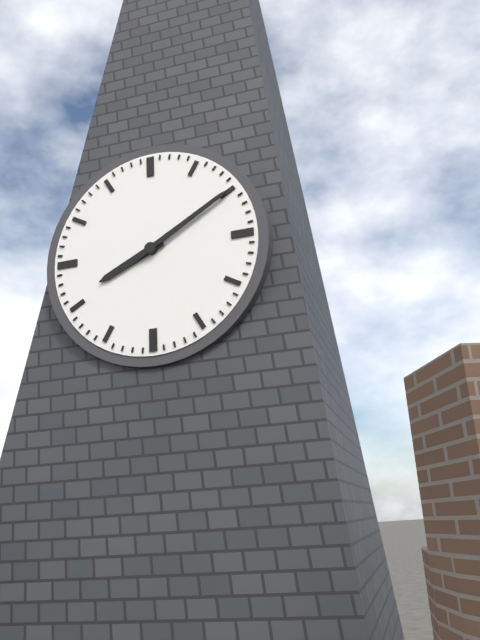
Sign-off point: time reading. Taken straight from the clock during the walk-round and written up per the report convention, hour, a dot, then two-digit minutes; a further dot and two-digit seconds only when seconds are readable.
8.10
